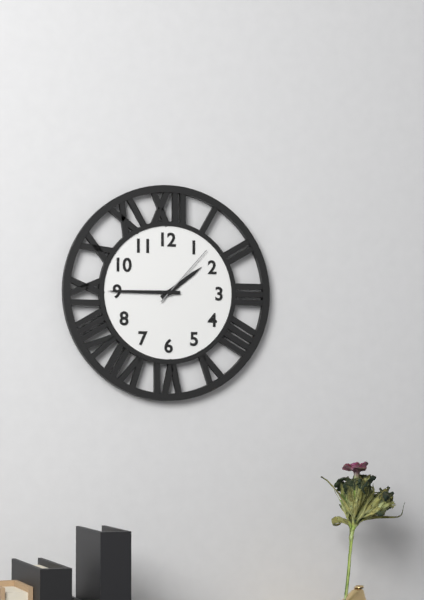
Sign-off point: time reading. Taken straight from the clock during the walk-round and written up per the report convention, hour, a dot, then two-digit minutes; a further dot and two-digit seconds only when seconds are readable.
1.45.07
